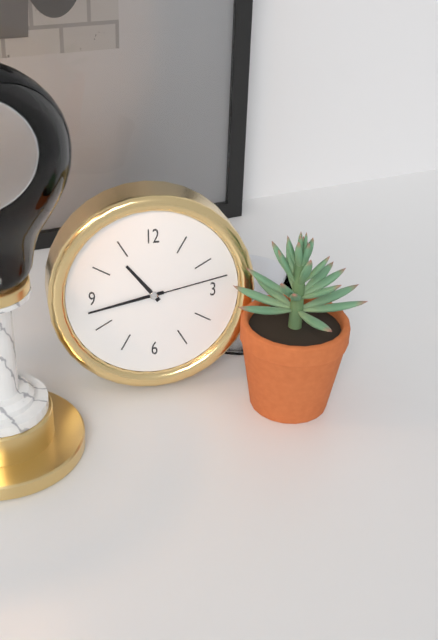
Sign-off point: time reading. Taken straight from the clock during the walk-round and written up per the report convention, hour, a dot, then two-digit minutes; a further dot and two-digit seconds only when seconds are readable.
10.43.13
